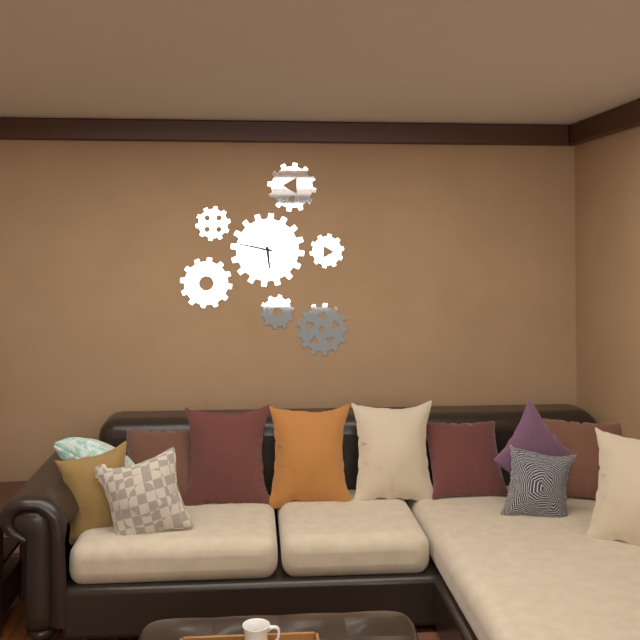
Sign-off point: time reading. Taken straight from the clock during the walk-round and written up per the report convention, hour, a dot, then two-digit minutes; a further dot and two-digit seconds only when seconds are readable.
5.47
